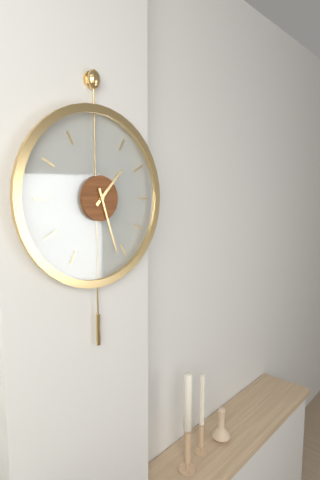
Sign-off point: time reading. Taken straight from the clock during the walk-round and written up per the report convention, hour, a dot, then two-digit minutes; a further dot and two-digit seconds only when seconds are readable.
1.27
